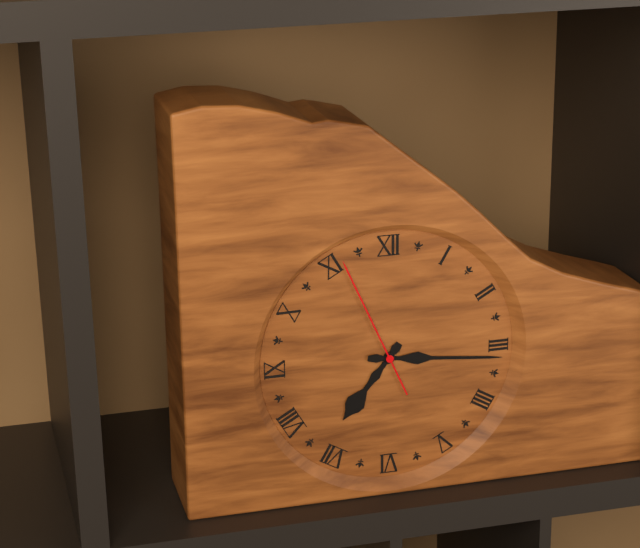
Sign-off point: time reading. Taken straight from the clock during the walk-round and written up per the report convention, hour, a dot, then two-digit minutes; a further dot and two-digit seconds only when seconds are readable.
7.16.56
